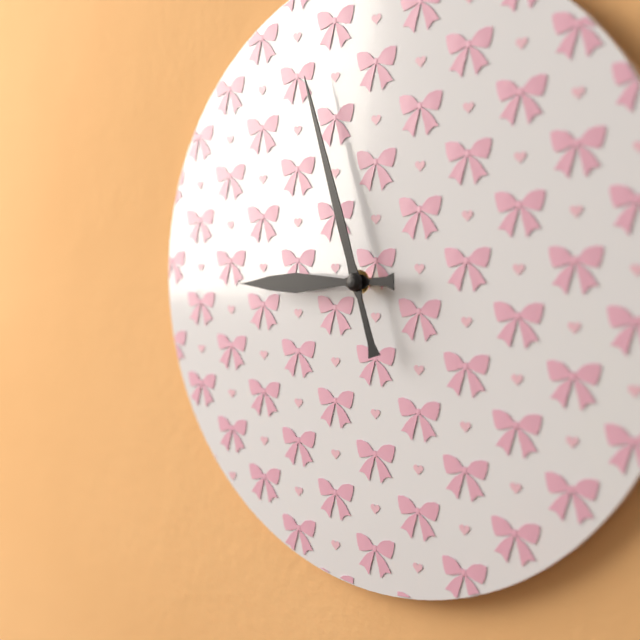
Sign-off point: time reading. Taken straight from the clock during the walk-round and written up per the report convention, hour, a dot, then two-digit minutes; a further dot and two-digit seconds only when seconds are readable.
8.57
